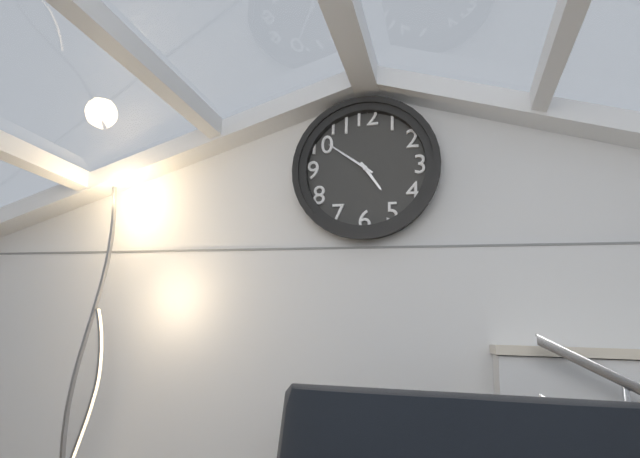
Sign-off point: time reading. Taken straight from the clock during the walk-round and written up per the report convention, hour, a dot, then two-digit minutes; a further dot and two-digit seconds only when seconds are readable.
4.51
